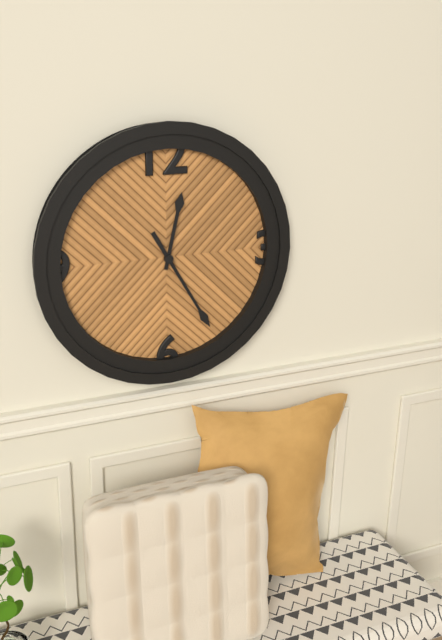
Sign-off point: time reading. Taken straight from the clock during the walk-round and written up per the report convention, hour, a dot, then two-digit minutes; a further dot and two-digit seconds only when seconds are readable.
12.25
